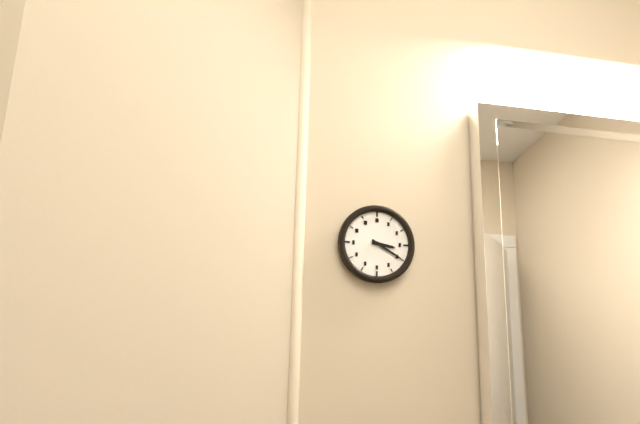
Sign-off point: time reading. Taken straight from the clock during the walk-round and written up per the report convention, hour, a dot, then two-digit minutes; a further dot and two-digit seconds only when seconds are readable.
3.20
